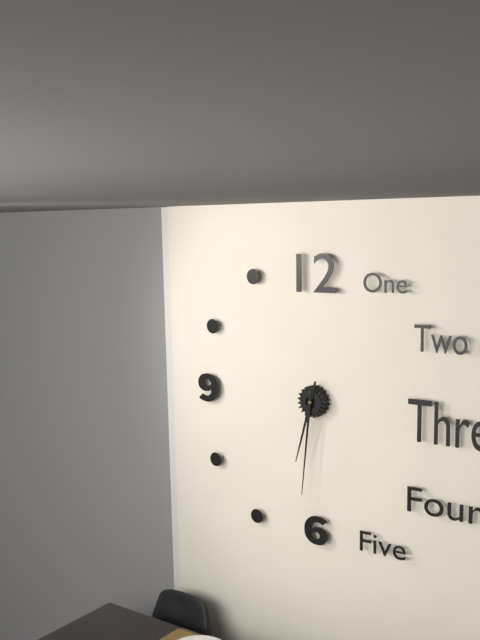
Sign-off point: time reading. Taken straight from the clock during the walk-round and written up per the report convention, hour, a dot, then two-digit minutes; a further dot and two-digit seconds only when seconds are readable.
6.31
